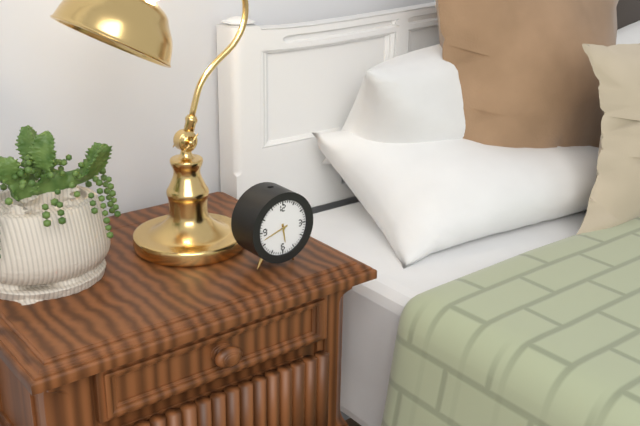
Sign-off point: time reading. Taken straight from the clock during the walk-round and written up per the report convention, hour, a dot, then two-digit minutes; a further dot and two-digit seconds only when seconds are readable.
5.42
